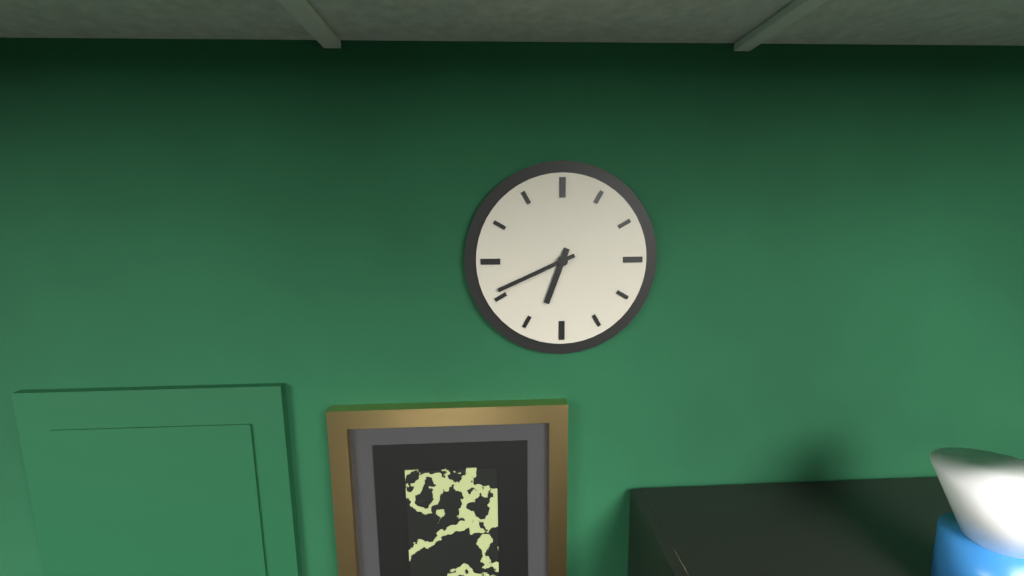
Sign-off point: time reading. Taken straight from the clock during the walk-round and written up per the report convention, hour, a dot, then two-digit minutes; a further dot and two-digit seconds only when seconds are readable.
6.41
